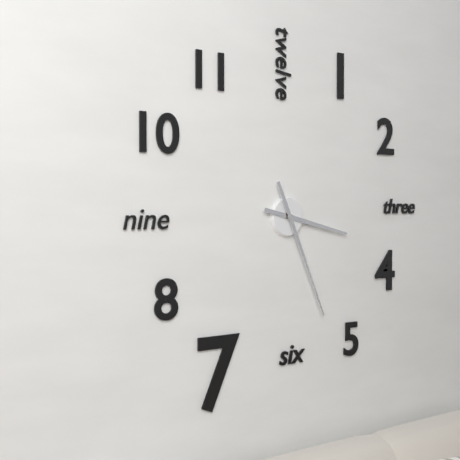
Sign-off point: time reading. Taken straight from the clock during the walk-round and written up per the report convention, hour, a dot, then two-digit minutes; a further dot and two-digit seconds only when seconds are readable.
3.26
